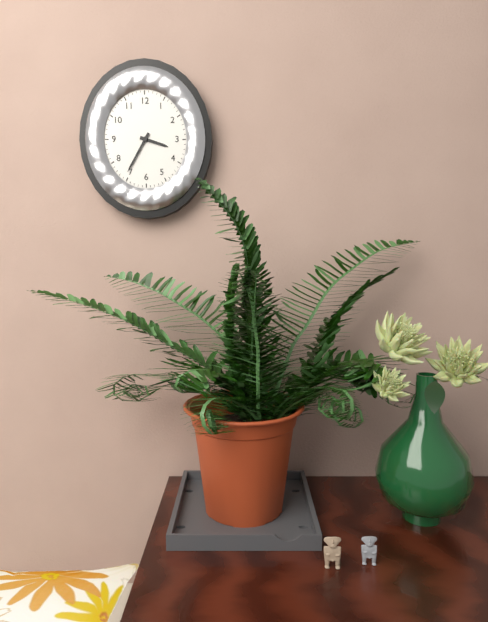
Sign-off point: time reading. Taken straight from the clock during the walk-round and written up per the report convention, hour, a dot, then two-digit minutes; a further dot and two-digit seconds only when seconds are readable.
3.35
